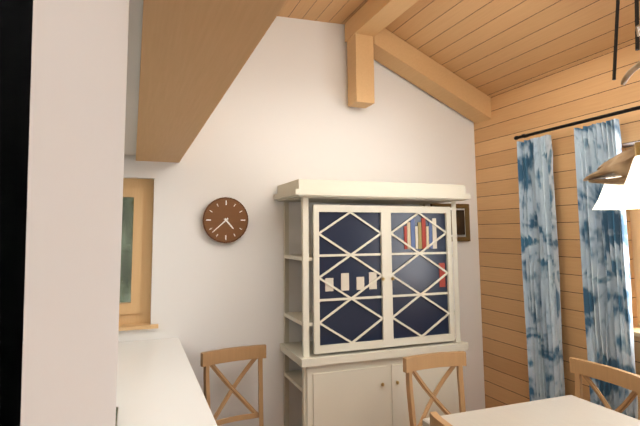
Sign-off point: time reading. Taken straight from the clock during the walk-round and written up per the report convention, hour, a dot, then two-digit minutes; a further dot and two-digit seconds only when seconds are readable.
4.38
